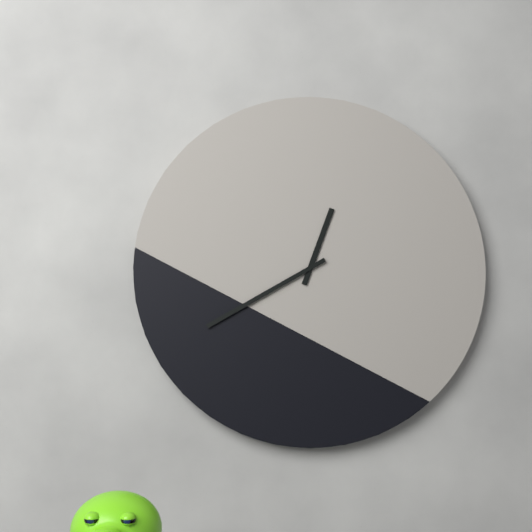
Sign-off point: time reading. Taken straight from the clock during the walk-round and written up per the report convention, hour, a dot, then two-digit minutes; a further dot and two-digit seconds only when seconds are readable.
12.40
